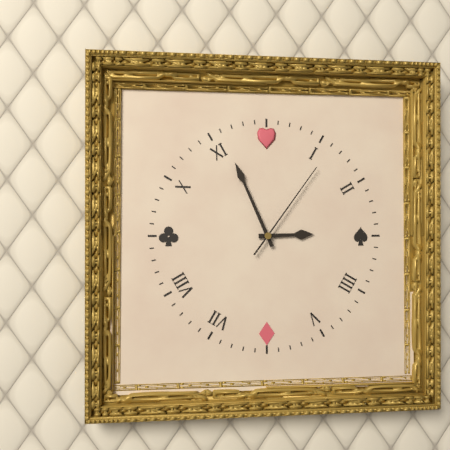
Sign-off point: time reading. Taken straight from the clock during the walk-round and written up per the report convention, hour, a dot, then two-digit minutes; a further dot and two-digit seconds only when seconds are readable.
2.56.06
